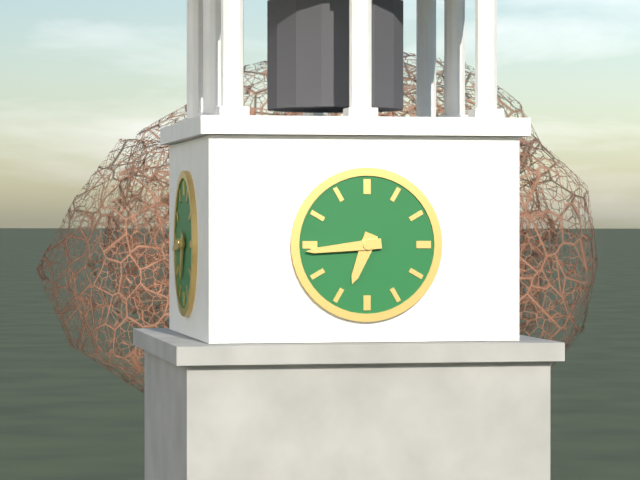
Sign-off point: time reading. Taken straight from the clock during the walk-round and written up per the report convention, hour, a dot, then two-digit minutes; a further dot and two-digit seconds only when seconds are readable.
6.44
